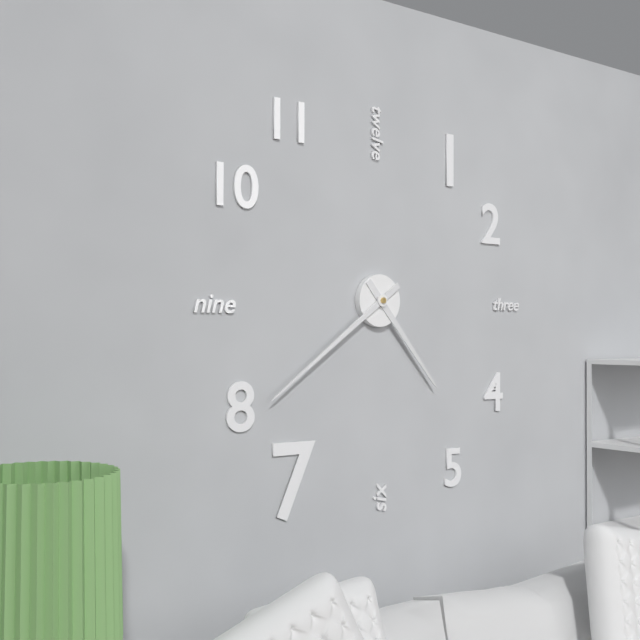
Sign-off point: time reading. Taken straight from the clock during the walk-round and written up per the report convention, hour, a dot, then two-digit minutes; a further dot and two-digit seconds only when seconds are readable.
4.39
